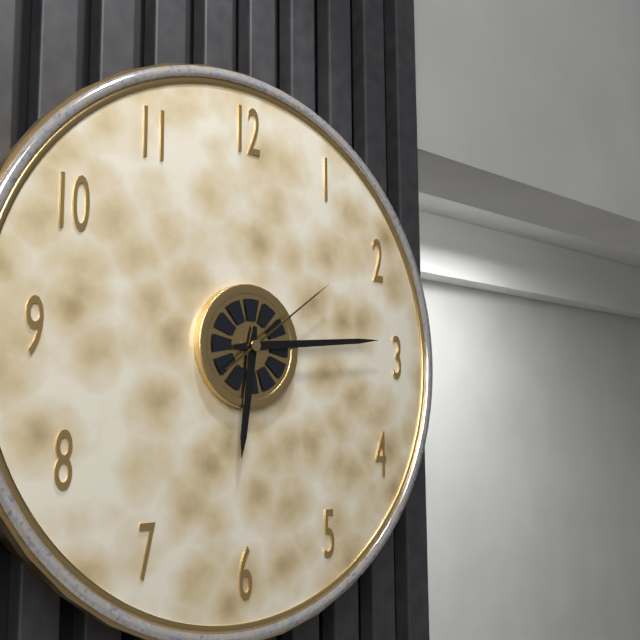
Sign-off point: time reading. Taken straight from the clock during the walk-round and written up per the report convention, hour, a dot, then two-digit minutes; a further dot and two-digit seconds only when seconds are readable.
6.14.09
